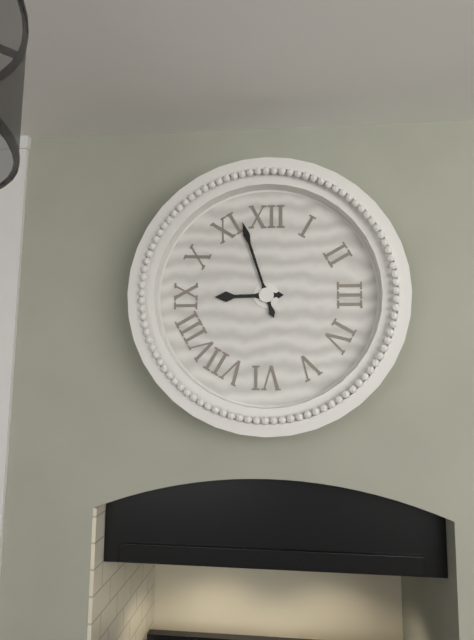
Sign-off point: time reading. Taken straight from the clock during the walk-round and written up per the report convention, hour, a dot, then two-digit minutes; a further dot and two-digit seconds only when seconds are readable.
8.57
